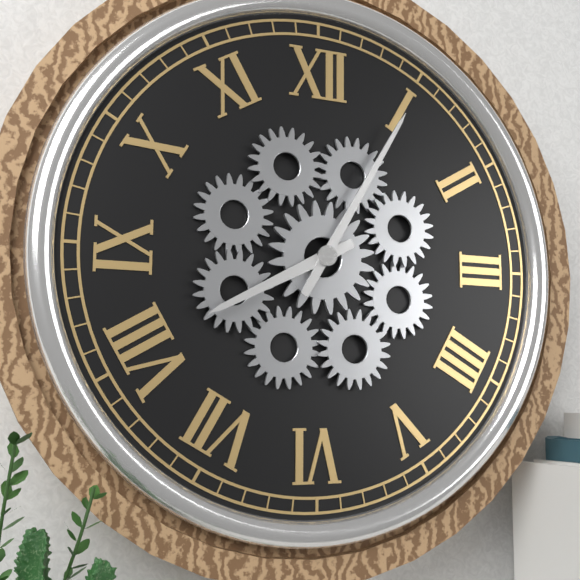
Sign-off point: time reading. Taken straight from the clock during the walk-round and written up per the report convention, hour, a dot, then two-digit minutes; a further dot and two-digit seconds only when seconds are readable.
8.05
